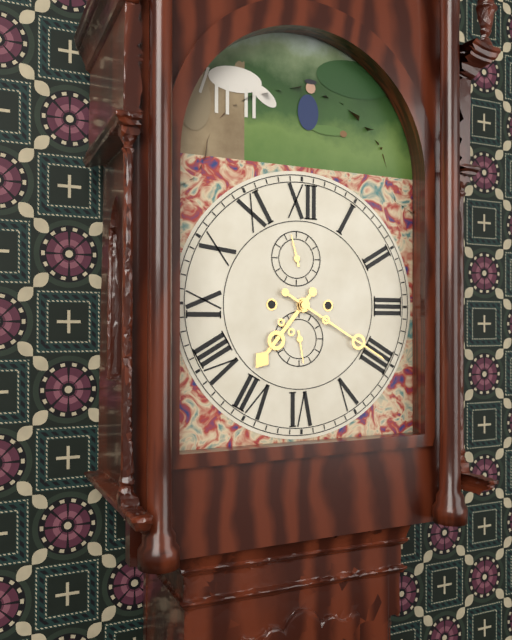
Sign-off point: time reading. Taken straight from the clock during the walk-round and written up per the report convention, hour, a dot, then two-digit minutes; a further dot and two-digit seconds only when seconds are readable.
7.20
